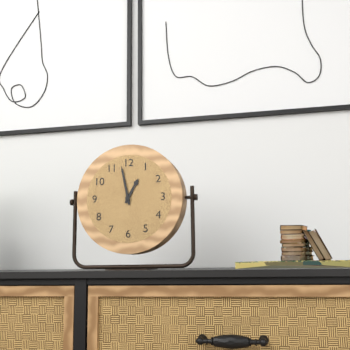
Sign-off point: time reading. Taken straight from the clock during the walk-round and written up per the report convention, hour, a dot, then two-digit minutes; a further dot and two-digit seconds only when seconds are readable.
12.58
